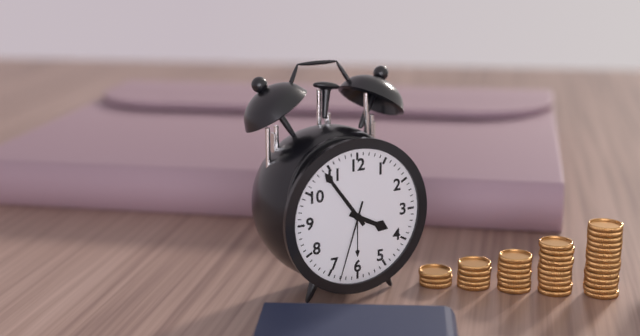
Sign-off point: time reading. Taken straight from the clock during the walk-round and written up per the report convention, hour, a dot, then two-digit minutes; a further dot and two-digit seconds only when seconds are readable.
3.54.33
